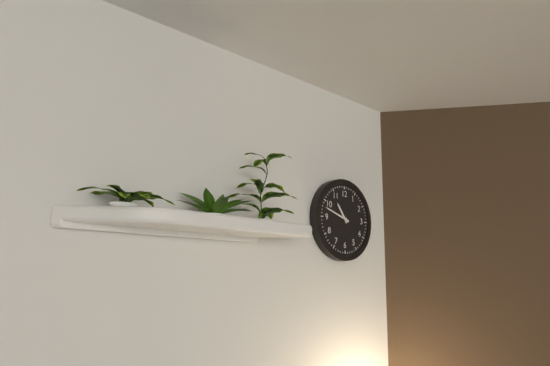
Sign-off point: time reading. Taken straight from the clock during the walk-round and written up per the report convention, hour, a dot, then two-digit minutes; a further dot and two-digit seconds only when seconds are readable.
10.48
